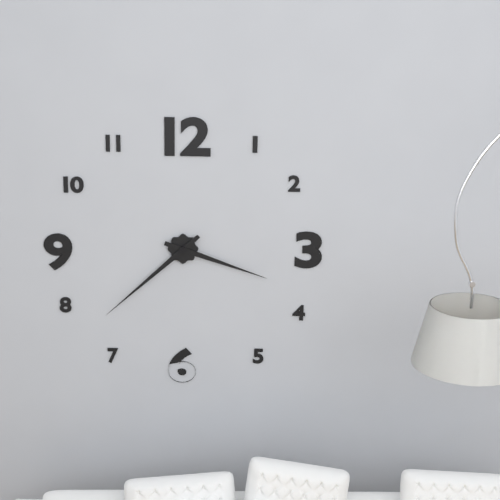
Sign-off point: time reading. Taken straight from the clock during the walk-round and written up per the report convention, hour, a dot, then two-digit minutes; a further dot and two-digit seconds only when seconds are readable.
3.38
